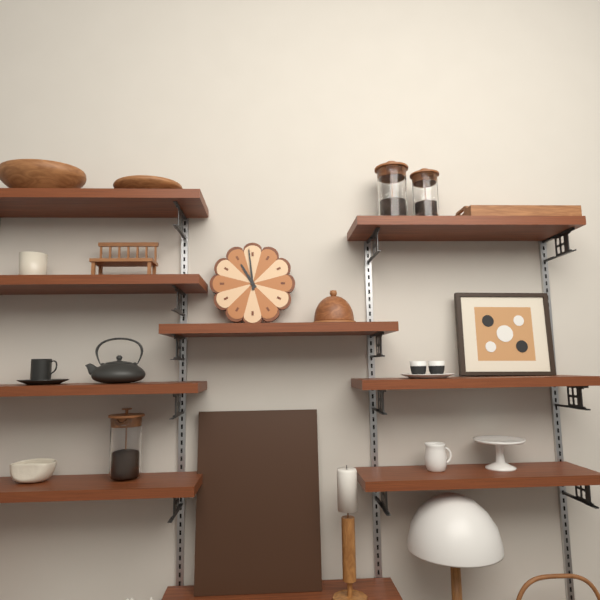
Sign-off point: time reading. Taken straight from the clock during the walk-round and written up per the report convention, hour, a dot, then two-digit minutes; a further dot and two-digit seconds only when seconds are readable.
10.59
